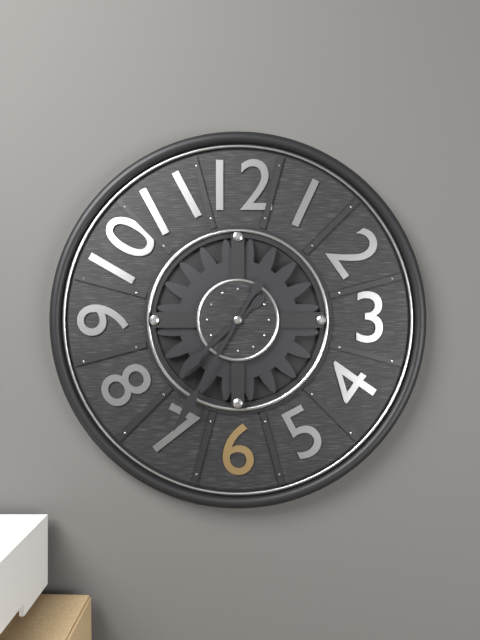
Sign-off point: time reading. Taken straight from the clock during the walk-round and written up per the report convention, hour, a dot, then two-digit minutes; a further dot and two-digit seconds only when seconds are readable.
7.35
